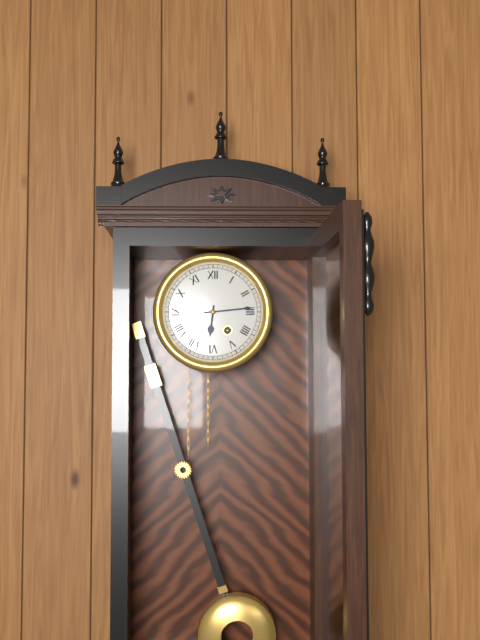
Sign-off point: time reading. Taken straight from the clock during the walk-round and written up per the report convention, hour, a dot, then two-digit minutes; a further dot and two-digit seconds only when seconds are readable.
6.14
